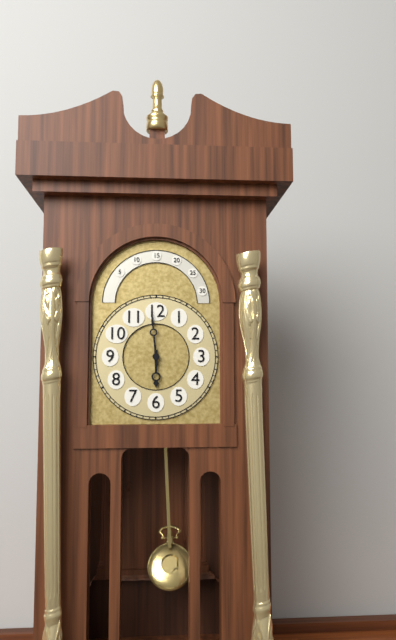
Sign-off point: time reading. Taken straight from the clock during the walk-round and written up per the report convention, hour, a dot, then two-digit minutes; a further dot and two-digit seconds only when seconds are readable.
5.59
